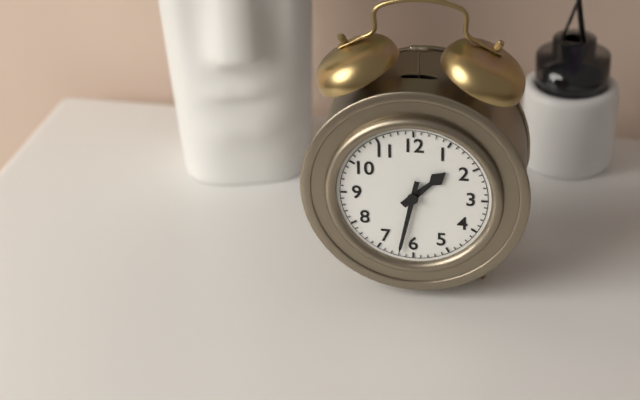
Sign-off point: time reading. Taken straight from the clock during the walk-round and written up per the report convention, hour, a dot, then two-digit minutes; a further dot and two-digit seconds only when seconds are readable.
1.32
